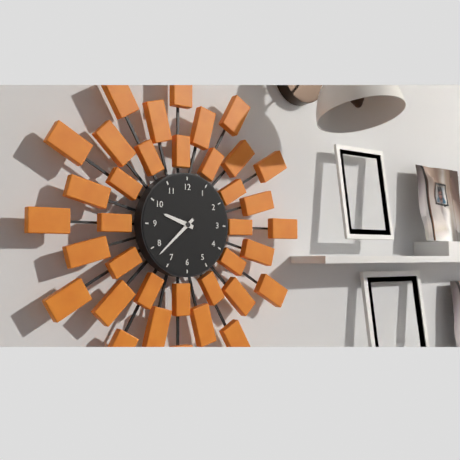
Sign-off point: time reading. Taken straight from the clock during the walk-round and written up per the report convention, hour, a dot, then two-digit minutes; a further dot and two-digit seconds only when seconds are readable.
9.38
